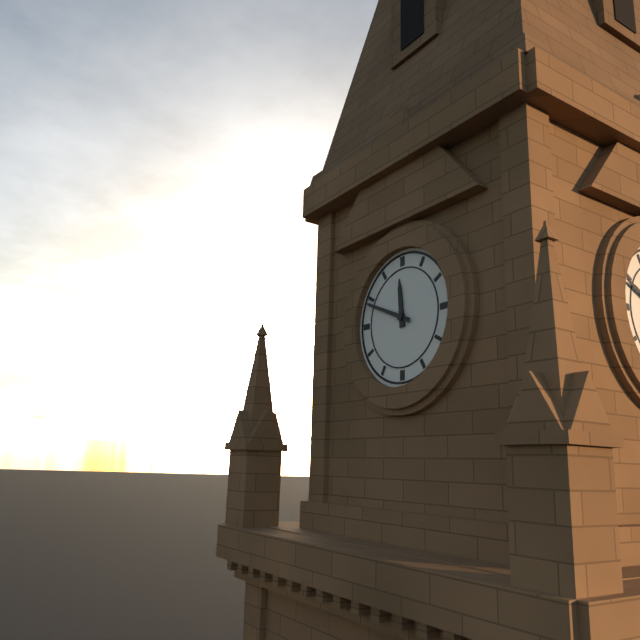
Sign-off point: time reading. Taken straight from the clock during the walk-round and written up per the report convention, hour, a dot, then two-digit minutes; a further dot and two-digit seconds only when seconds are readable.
11.49
